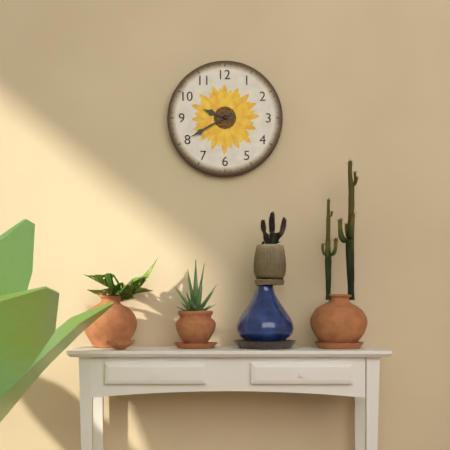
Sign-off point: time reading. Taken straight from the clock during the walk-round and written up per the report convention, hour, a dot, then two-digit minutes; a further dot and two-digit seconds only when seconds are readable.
9.40
